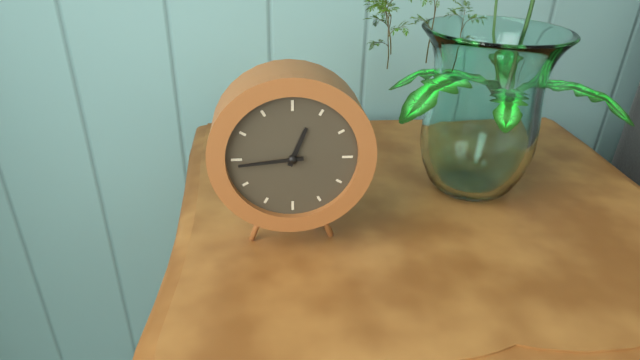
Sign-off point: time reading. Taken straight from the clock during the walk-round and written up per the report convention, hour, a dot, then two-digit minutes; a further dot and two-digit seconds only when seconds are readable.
12.44
